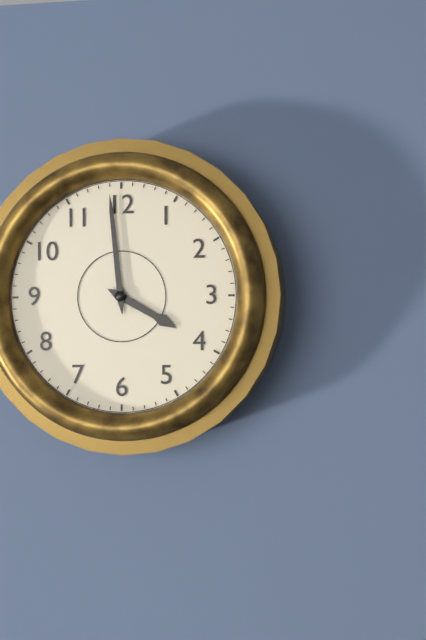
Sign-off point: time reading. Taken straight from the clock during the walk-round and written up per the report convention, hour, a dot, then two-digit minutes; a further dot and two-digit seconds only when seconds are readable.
3.59
